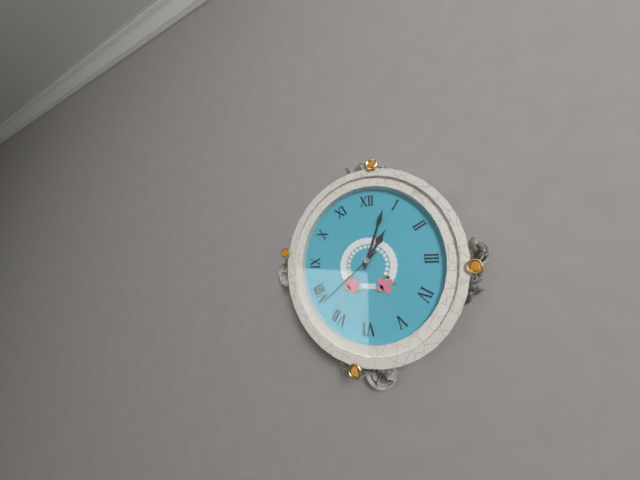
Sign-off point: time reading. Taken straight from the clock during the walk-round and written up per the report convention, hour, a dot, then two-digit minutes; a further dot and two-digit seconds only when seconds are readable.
1.03.38
